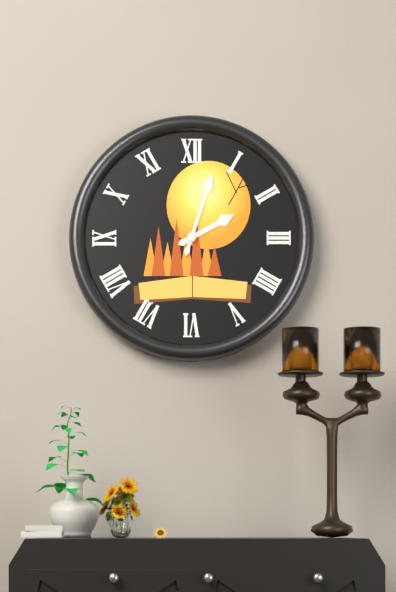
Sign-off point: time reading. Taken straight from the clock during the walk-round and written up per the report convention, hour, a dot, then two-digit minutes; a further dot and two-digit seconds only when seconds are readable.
2.03
